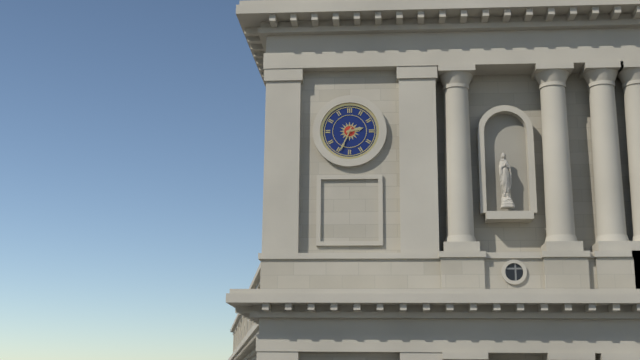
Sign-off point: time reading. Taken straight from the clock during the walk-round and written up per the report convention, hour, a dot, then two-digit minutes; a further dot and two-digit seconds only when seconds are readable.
2.34
